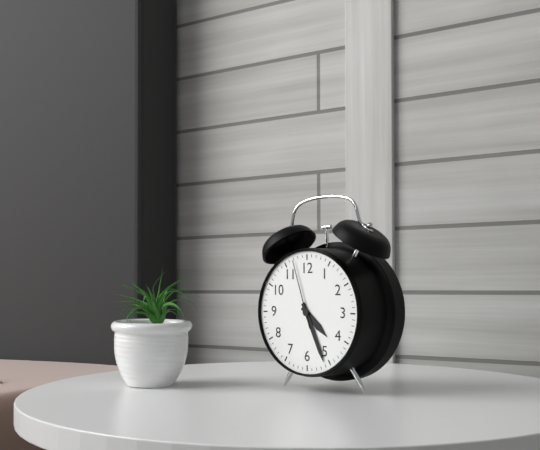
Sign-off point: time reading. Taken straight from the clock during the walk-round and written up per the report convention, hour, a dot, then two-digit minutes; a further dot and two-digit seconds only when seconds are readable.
4.26.57
